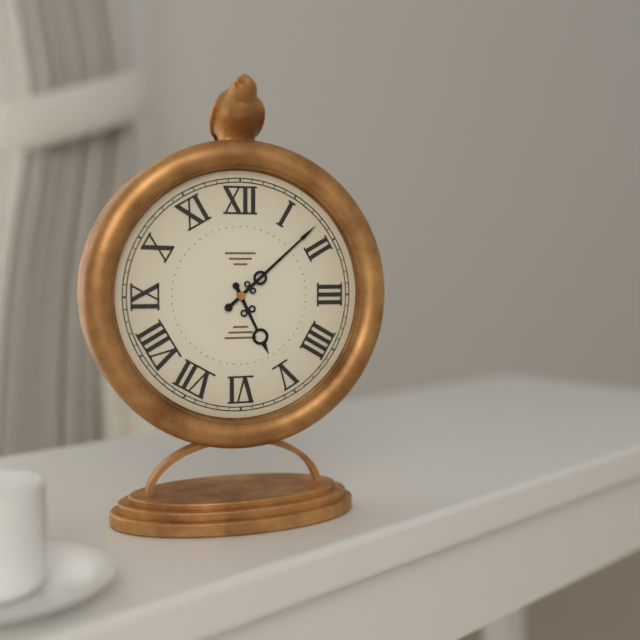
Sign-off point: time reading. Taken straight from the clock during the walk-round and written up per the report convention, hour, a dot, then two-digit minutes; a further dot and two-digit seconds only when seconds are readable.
5.08
